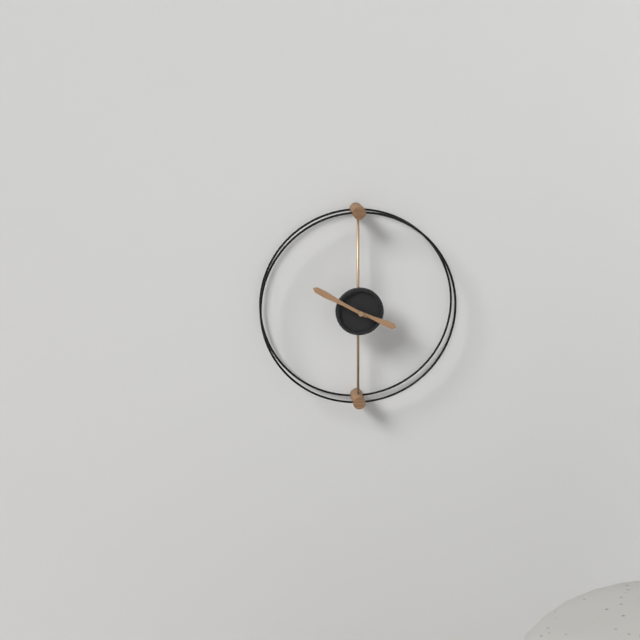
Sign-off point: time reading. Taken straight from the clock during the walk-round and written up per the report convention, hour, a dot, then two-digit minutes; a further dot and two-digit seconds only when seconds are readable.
3.50
